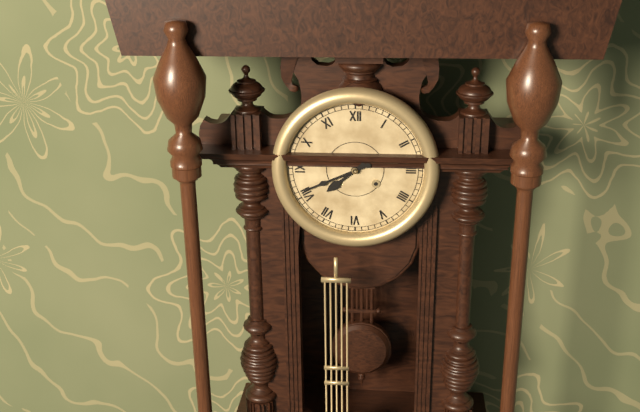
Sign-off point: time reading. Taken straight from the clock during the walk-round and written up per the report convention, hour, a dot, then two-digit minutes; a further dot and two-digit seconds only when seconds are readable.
7.41
